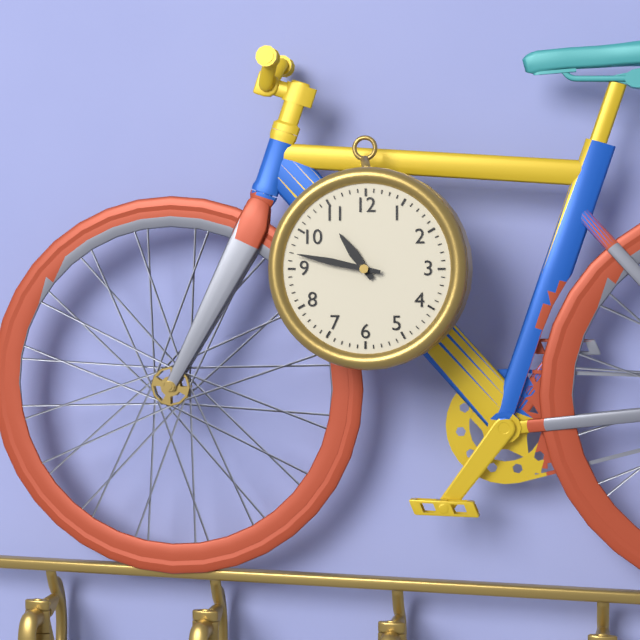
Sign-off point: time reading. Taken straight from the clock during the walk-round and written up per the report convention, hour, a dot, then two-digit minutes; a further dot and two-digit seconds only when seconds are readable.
10.47
